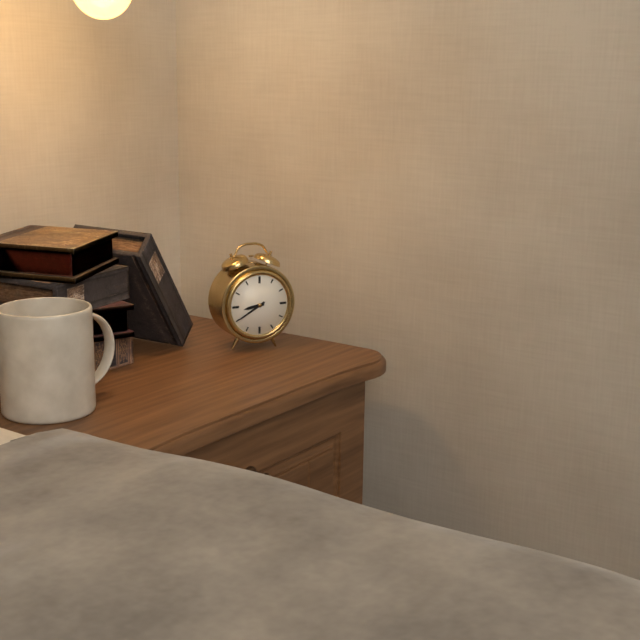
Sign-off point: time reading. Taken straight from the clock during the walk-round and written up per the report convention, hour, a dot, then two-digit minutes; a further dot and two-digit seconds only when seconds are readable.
8.40
